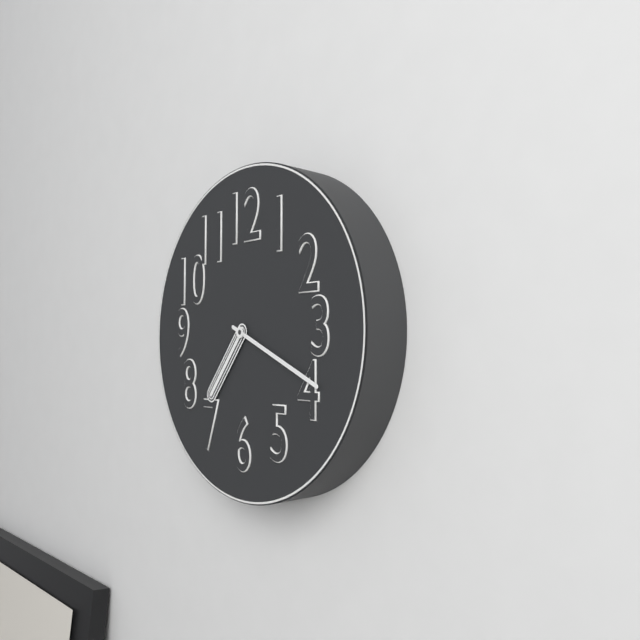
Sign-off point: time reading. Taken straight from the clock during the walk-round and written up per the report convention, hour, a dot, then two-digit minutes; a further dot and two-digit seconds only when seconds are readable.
7.19
